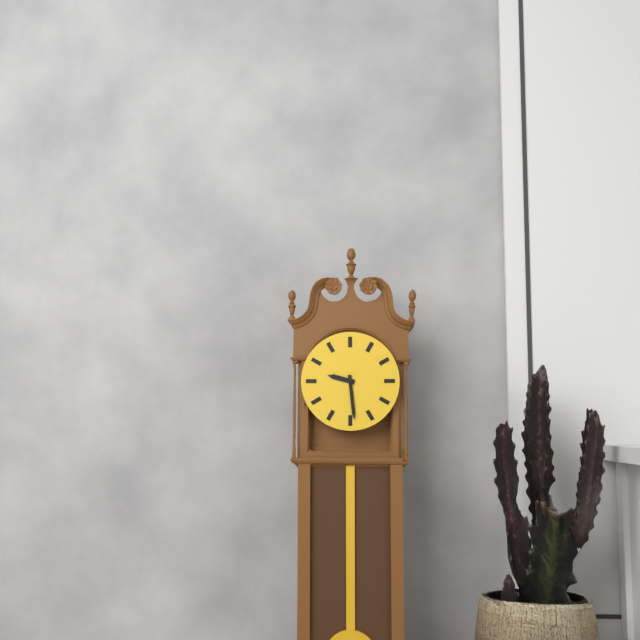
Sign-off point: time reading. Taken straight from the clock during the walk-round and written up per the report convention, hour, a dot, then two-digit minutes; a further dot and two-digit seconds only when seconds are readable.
9.29
